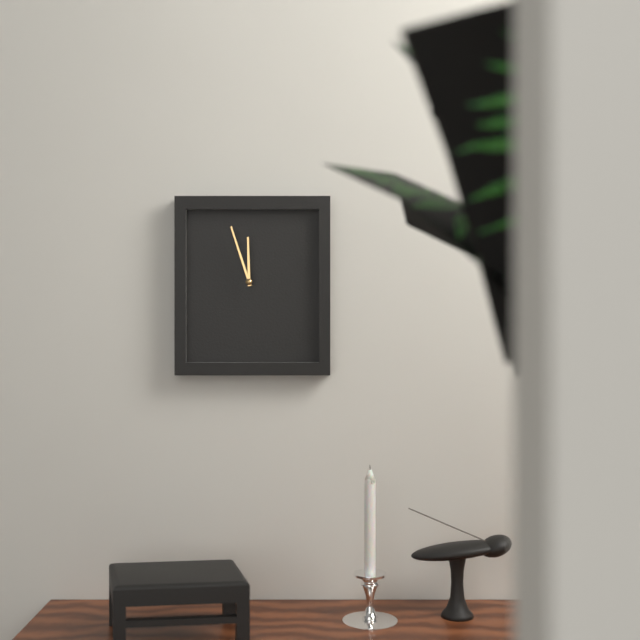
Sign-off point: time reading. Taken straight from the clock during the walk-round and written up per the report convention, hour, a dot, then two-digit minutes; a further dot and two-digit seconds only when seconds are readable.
11.57
